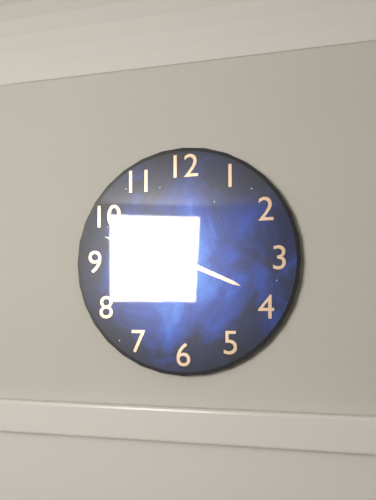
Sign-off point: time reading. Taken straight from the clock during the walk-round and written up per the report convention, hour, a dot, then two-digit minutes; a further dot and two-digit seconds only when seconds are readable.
3.48
